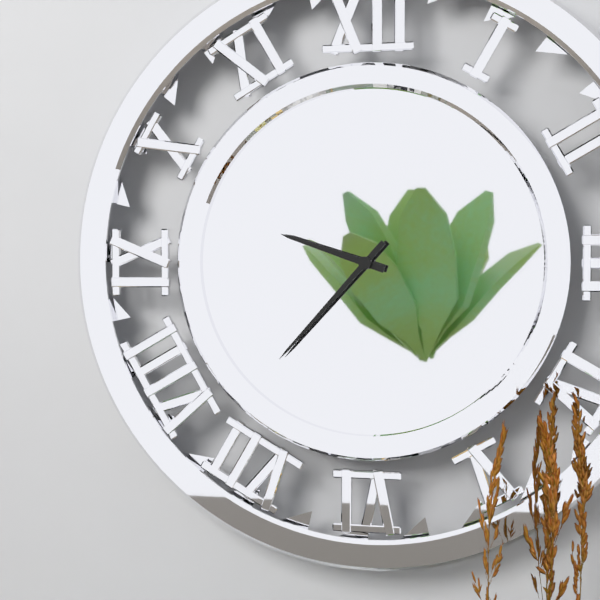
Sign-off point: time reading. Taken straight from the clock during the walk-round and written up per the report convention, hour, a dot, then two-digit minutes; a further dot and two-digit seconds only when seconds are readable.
9.37
